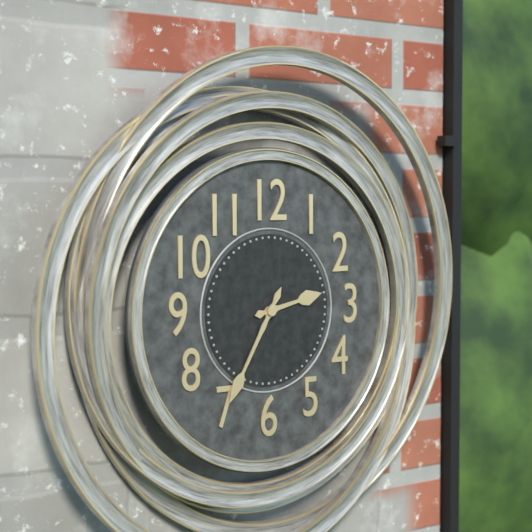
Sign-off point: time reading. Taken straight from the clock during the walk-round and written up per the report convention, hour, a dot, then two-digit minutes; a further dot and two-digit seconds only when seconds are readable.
2.35
